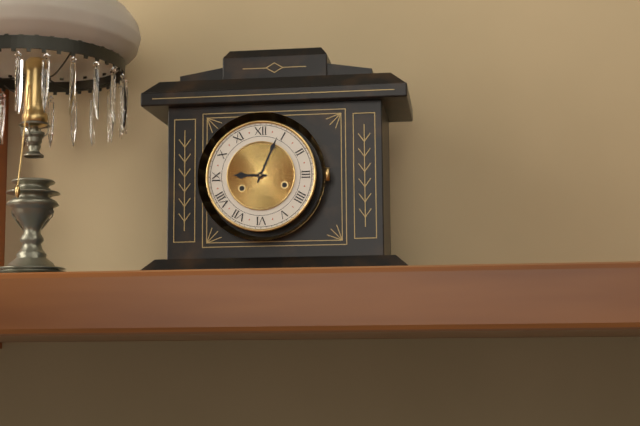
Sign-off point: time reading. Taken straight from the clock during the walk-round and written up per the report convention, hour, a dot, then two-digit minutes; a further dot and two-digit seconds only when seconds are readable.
9.04
